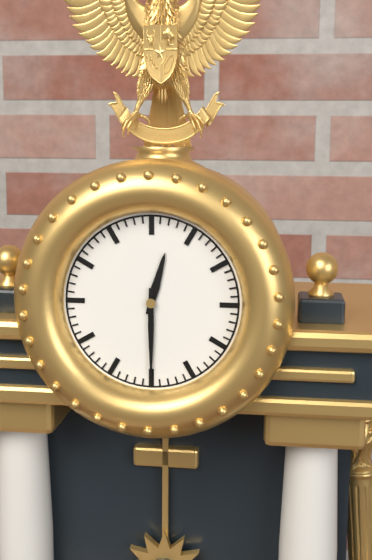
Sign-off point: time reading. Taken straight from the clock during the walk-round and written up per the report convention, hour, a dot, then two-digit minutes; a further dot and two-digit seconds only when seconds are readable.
12.30
